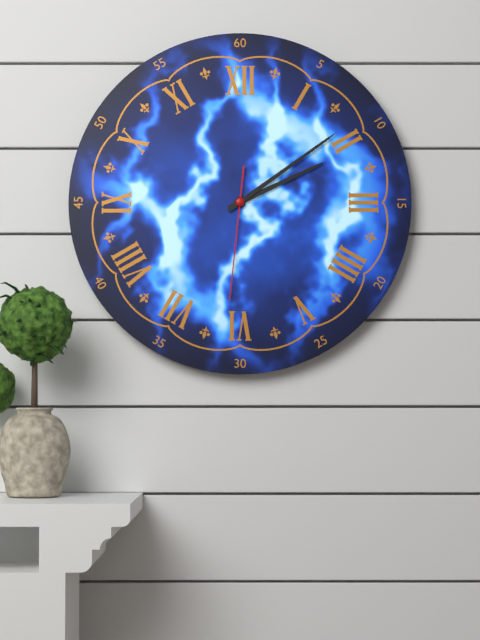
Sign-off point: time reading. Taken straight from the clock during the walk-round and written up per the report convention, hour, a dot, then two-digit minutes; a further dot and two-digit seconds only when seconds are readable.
2.09.31
